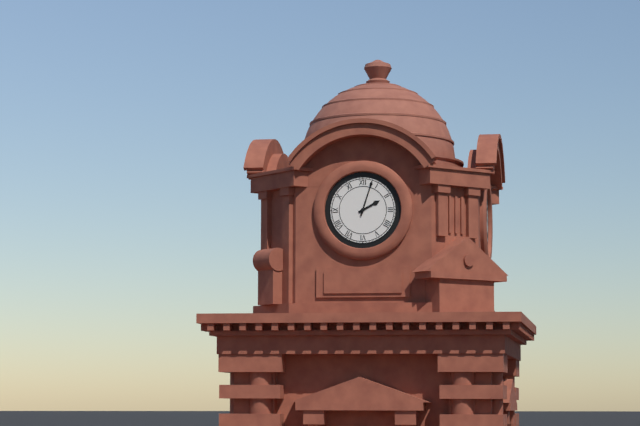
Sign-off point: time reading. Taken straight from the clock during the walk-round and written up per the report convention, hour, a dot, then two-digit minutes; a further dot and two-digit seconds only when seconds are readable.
2.03
